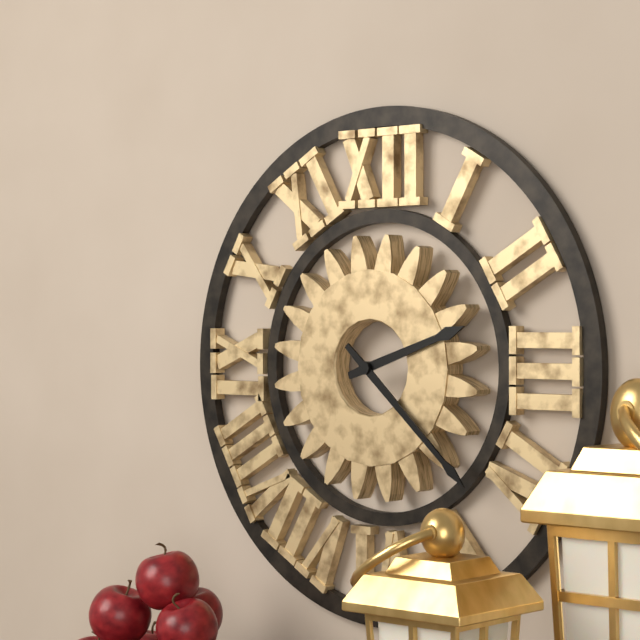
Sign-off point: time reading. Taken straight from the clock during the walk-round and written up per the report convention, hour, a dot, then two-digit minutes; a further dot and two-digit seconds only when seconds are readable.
2.22
